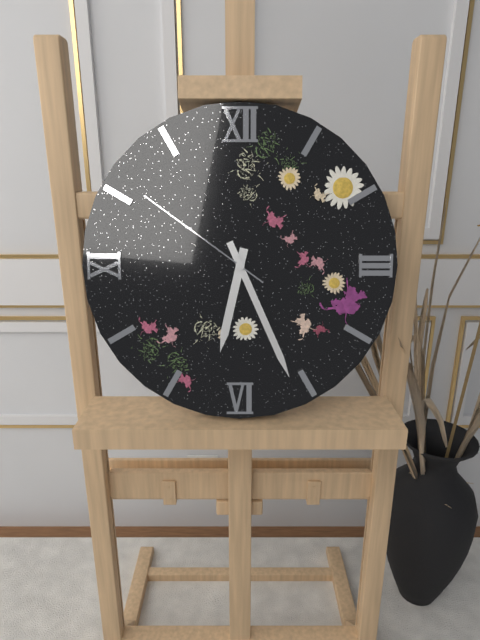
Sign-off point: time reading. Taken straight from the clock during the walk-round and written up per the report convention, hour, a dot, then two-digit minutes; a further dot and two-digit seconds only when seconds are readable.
6.26.51
